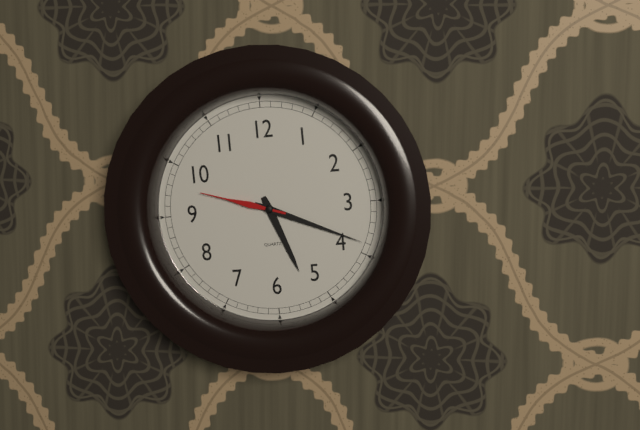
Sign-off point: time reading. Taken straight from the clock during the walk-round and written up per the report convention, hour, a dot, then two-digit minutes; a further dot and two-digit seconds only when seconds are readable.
5.19.48
